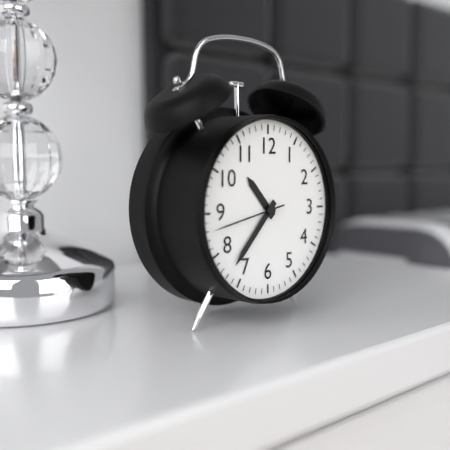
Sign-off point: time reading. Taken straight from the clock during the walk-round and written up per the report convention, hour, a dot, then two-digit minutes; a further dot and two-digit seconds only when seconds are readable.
10.37.43
